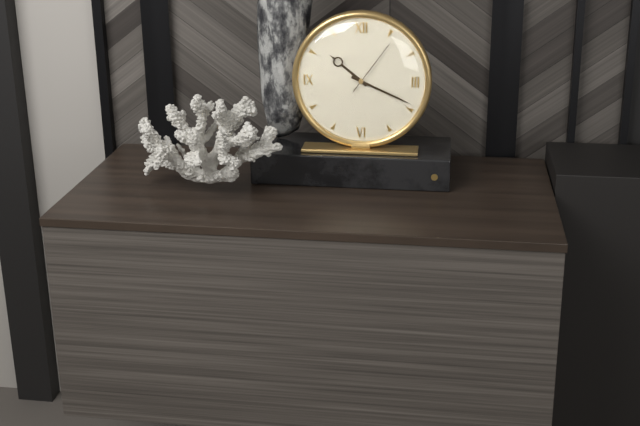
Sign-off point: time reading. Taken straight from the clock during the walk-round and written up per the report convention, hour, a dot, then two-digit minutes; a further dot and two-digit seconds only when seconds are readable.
10.19.06
